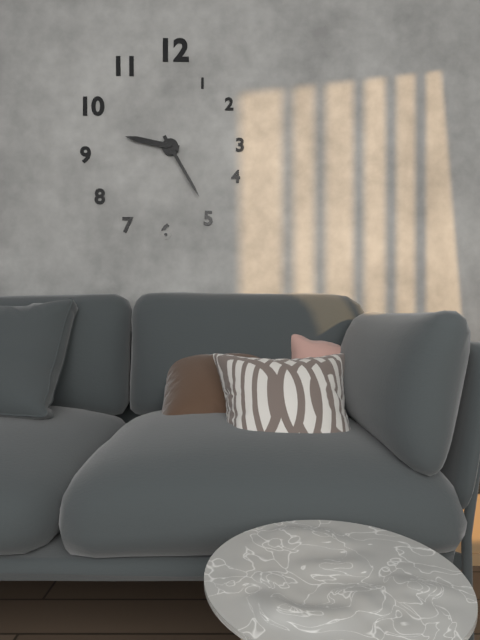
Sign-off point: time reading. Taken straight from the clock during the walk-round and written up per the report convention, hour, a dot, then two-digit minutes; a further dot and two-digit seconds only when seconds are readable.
9.25
